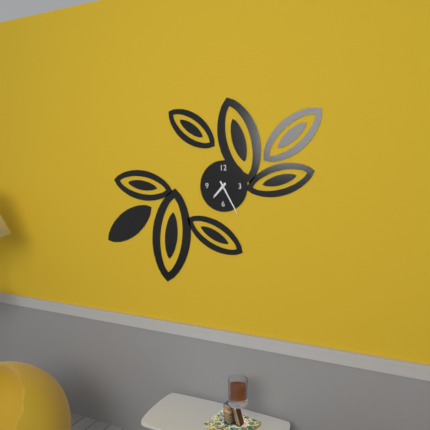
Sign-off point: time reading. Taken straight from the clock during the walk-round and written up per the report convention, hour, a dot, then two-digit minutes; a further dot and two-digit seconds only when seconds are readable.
7.25
